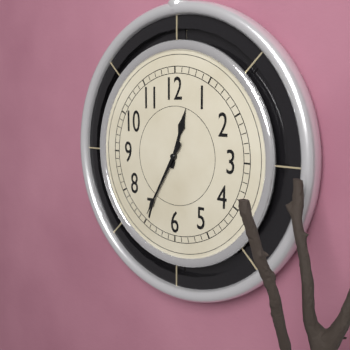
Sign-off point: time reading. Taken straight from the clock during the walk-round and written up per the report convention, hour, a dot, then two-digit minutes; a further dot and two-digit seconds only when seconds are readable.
12.35
